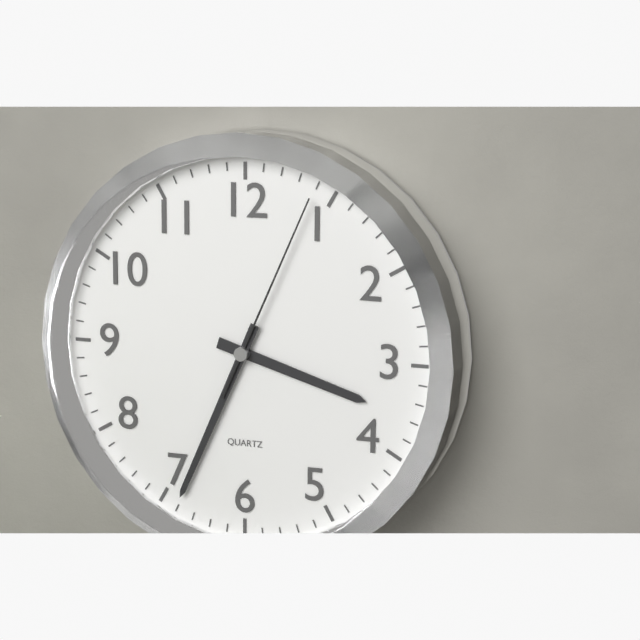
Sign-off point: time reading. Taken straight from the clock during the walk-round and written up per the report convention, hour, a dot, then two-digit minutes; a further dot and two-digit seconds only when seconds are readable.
3.34.04
